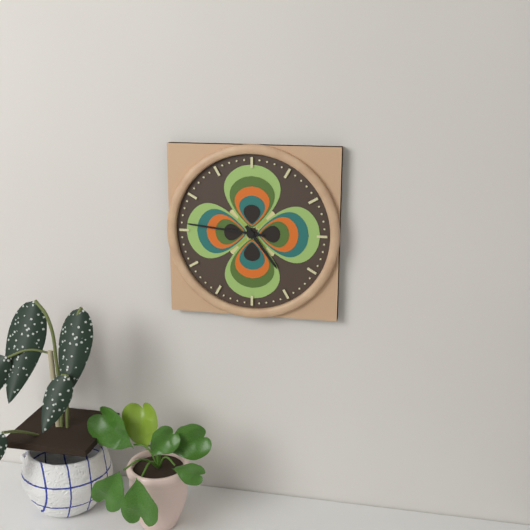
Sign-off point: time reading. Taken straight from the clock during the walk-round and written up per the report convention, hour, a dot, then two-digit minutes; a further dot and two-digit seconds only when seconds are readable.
4.46
